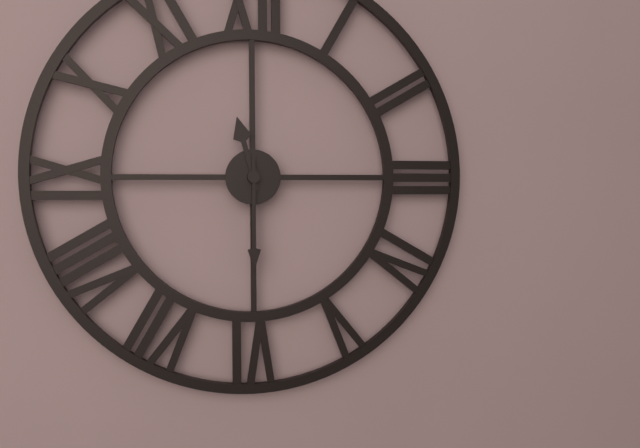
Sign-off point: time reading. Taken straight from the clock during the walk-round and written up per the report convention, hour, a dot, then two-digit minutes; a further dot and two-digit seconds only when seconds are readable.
11.30
